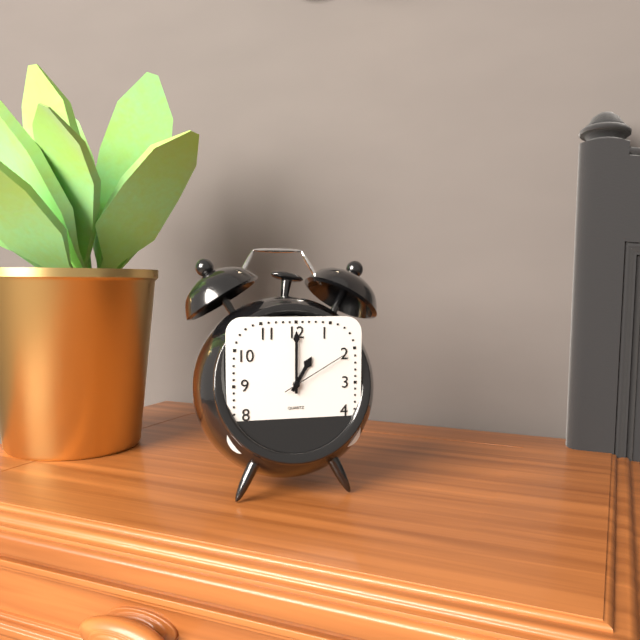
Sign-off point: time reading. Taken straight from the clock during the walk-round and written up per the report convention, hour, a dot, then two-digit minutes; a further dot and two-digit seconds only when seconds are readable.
1.00.10
